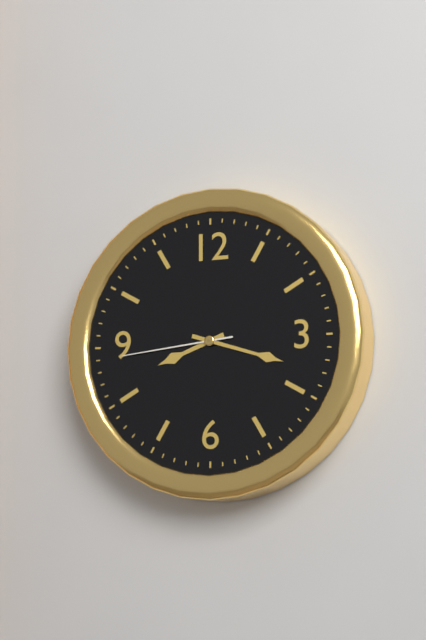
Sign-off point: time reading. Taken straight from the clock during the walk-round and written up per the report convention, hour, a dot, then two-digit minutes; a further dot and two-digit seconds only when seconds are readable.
8.18.44
